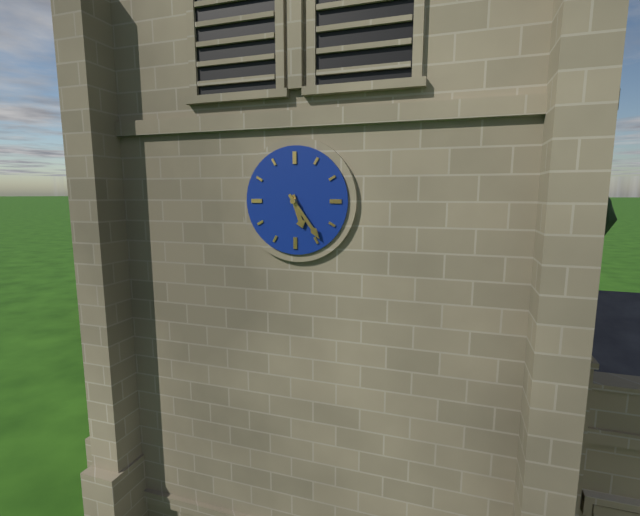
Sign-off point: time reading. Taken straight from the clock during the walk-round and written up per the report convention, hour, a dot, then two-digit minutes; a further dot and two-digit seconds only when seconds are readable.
5.24
